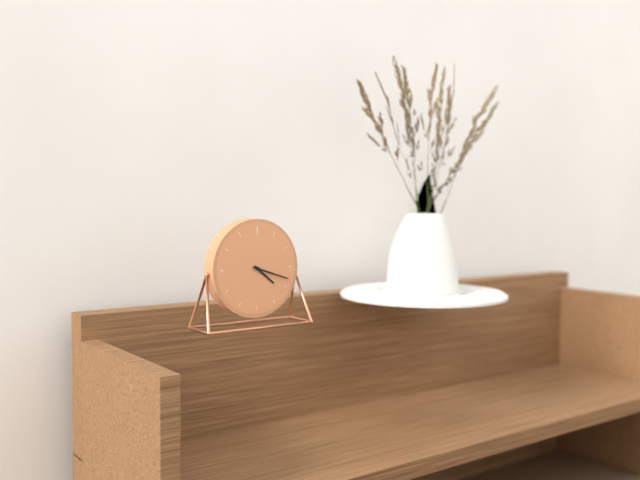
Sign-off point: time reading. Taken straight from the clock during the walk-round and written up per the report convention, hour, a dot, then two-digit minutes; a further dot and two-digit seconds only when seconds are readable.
4.18
